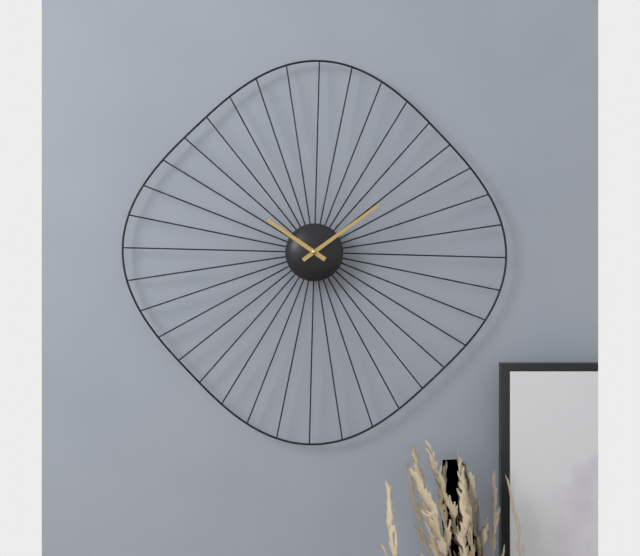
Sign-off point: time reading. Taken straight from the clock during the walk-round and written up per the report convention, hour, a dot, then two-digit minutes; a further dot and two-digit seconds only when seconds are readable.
10.09
